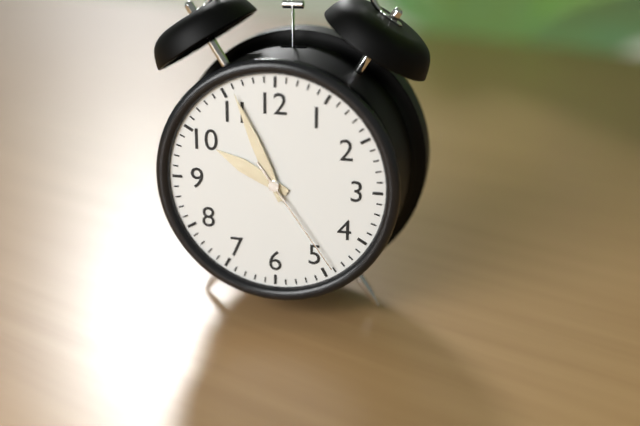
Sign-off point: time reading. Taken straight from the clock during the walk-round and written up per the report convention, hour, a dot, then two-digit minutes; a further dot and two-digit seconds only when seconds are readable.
9.56.24
